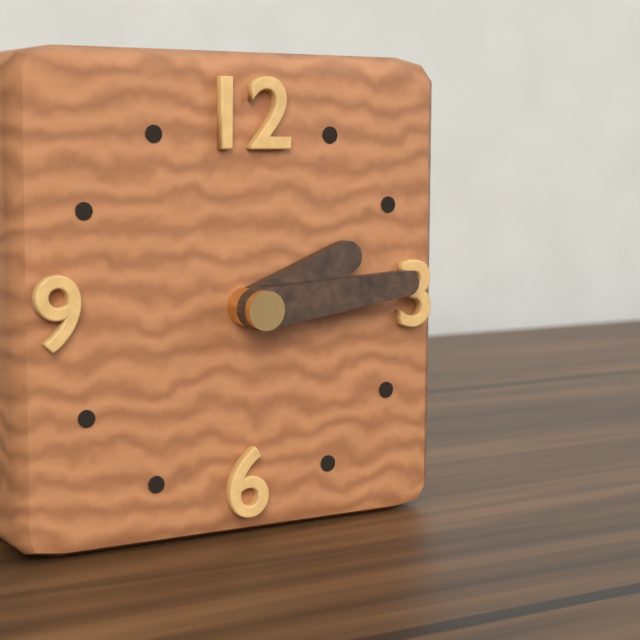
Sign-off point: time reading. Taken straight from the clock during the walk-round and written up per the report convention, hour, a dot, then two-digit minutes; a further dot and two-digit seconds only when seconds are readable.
2.14
